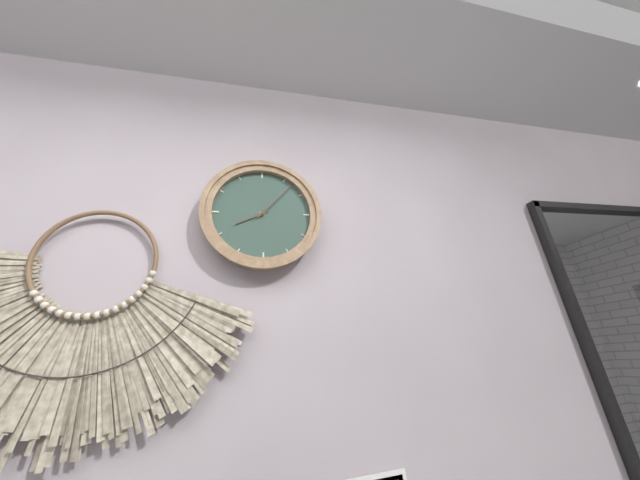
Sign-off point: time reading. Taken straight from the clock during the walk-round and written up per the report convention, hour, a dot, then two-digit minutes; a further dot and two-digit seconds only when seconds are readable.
8.07
